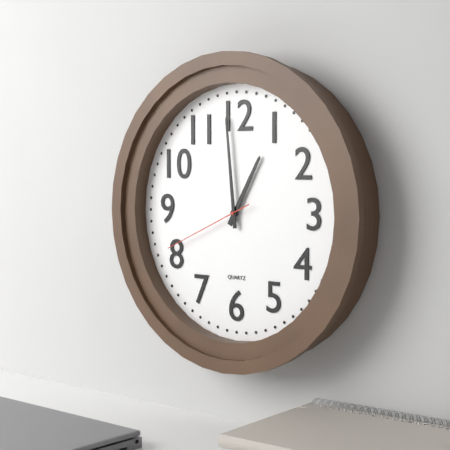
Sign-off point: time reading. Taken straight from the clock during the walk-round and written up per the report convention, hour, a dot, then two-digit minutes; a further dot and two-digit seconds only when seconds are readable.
12.59.41
